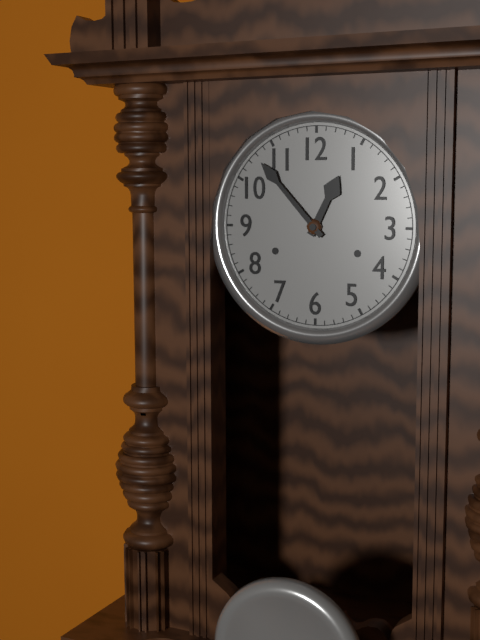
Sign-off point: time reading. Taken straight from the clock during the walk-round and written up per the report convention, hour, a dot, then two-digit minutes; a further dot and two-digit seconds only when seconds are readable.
12.53
